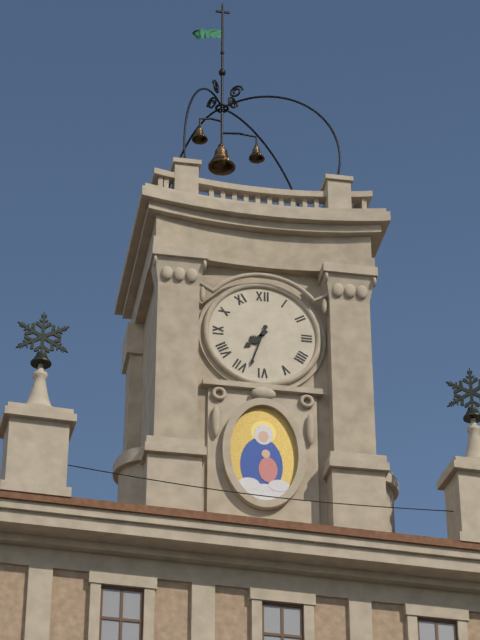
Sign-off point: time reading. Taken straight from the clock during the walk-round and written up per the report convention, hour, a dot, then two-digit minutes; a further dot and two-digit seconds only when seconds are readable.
7.33
